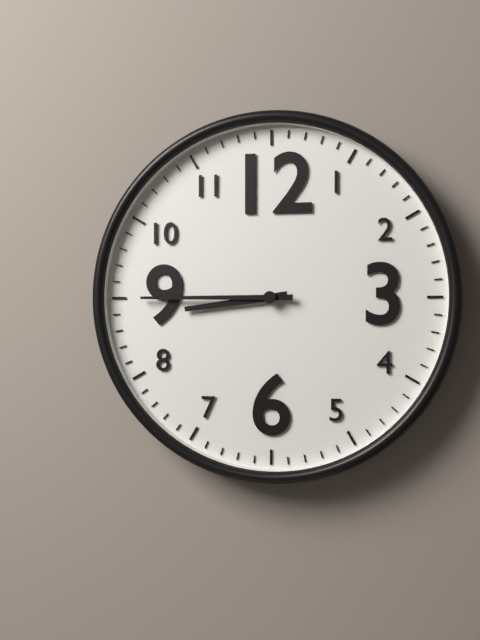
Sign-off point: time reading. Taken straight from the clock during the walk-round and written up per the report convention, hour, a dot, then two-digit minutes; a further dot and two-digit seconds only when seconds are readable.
8.45
